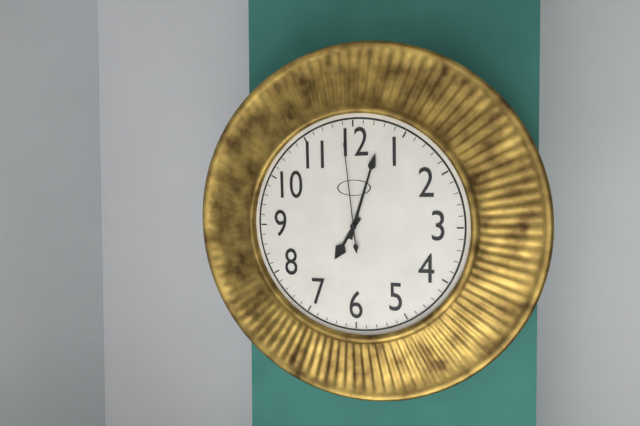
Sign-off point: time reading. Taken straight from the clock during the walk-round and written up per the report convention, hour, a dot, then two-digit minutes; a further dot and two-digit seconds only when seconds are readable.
7.03.59
